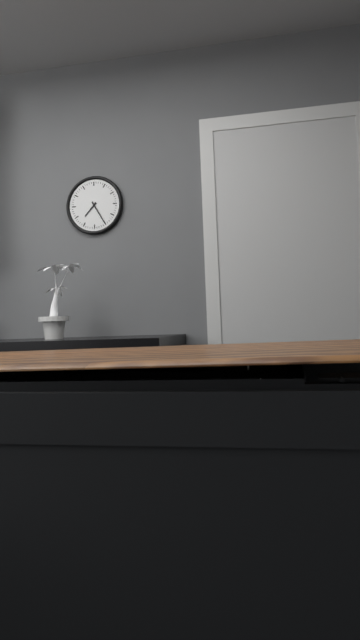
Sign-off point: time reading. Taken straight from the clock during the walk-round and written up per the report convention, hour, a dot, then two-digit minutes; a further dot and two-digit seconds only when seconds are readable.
7.25
